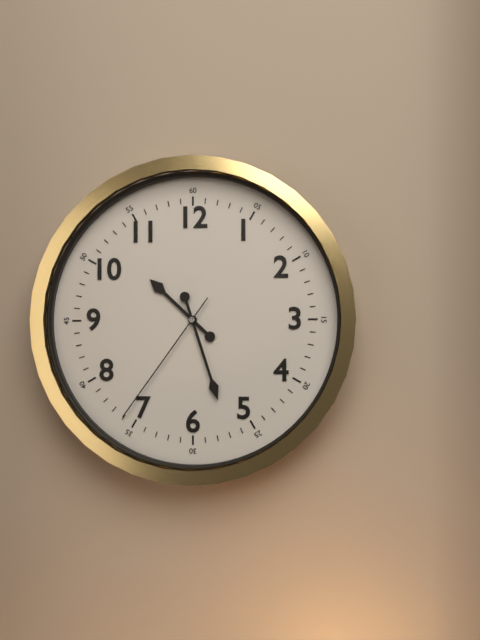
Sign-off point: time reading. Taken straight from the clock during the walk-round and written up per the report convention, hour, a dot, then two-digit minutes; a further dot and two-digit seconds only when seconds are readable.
10.27.36
